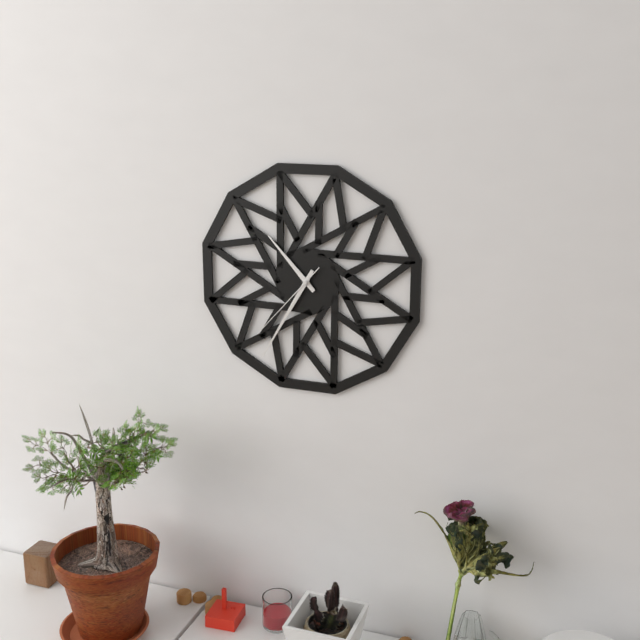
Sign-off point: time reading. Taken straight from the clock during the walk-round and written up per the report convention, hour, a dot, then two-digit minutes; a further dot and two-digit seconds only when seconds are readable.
10.35.37
